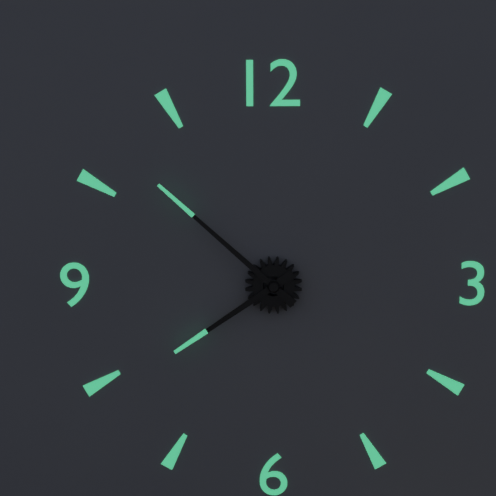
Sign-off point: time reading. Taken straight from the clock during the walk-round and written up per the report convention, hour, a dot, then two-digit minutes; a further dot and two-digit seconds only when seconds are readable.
7.52
